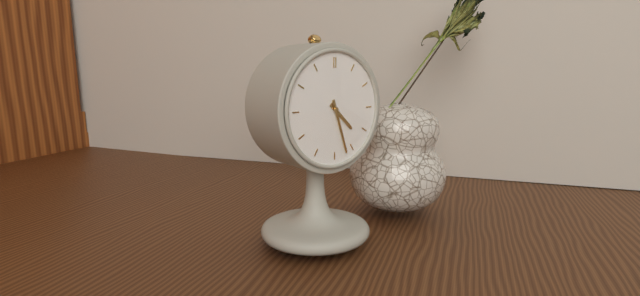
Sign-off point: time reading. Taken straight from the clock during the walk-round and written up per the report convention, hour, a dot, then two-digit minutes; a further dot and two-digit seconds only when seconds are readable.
4.27
